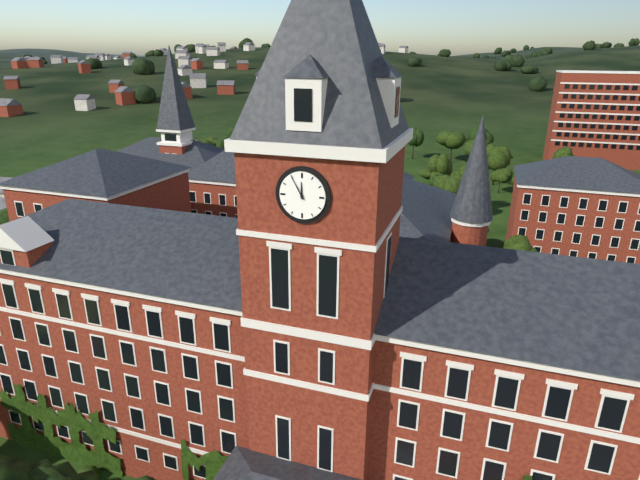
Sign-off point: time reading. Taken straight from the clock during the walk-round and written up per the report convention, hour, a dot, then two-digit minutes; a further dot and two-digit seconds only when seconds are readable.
11.55
